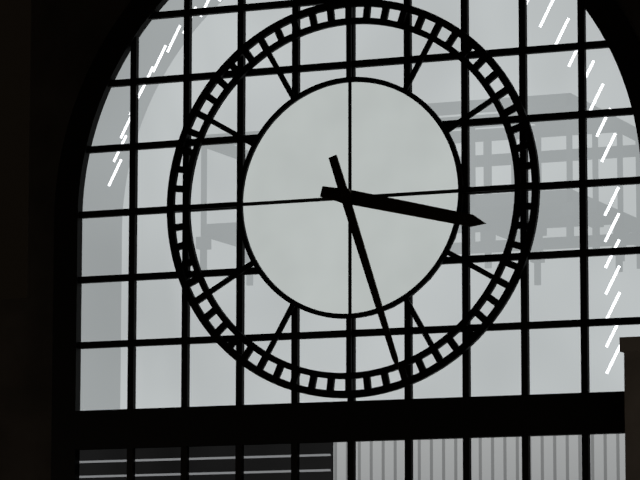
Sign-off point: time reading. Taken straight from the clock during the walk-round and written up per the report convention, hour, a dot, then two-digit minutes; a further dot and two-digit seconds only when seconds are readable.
3.27
